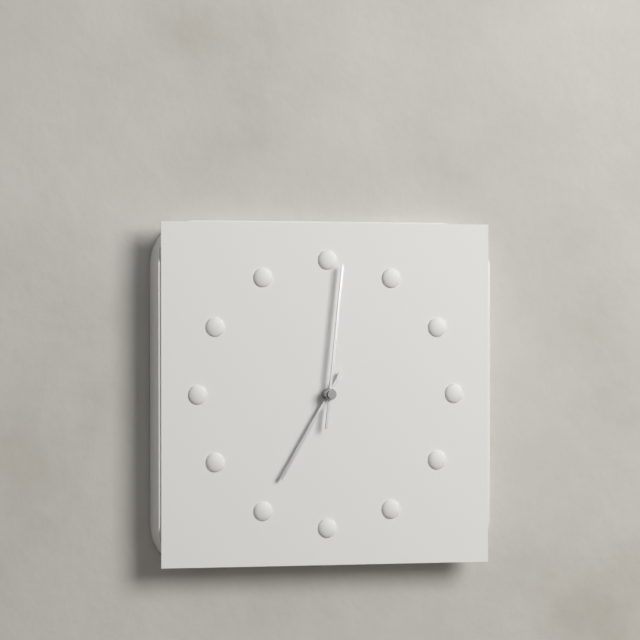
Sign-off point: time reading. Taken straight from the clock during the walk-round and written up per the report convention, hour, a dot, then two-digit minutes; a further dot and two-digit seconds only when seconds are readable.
7.01
